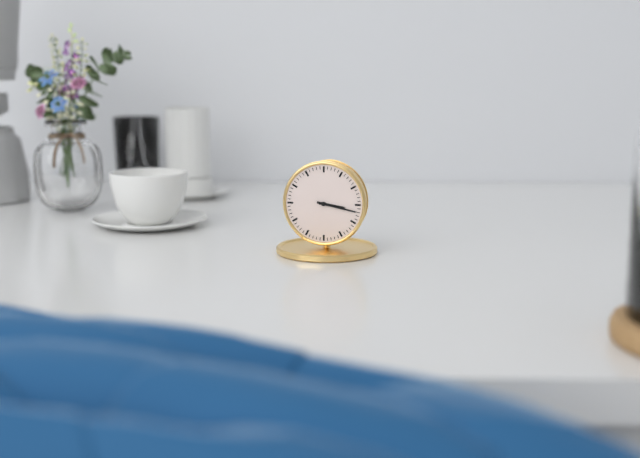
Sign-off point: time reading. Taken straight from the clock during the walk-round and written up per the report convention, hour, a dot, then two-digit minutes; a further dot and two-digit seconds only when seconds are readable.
3.17
